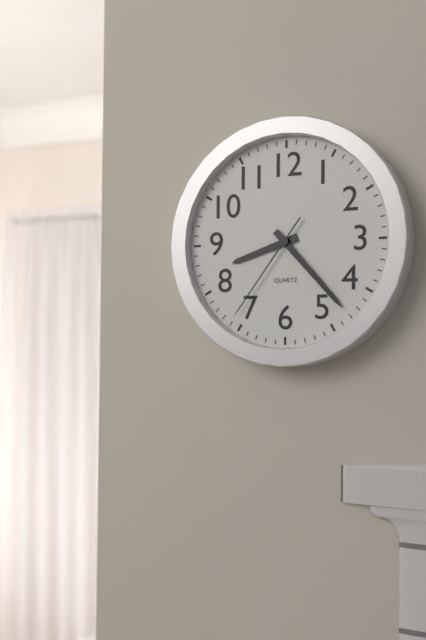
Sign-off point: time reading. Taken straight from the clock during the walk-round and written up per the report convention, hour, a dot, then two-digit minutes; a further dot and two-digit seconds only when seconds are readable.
8.23.36
